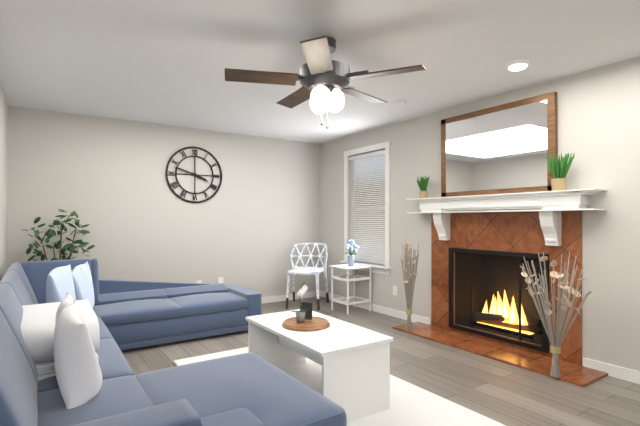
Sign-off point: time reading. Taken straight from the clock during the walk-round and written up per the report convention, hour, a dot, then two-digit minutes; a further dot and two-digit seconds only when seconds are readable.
3.48
